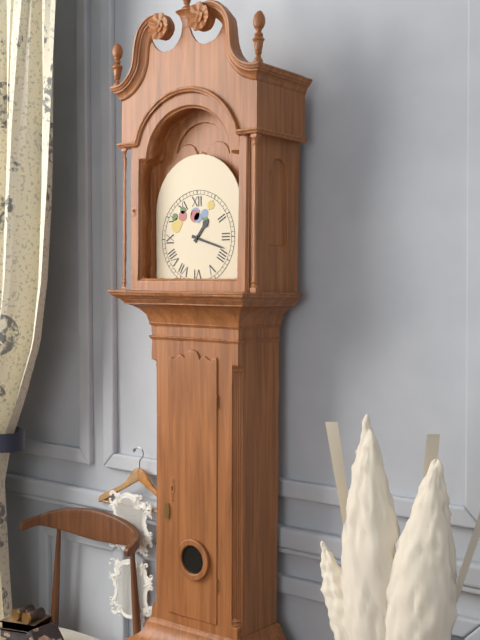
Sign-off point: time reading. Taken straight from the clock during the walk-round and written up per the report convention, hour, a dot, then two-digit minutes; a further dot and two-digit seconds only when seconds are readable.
1.18
